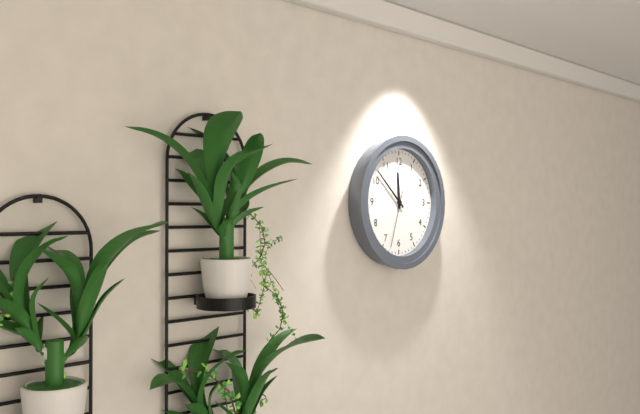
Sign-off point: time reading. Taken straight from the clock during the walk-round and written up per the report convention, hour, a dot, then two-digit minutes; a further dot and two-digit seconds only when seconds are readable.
11.52.33
